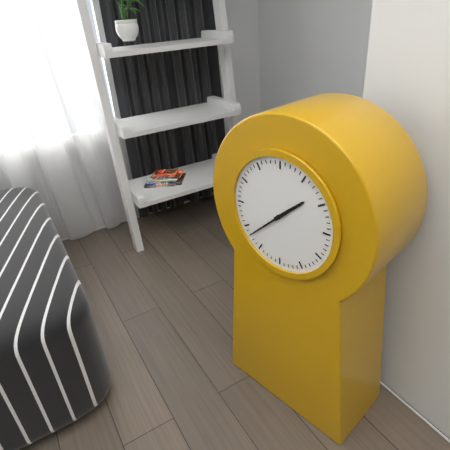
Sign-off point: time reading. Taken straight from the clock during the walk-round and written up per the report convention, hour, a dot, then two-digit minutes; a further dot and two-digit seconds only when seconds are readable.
1.38
